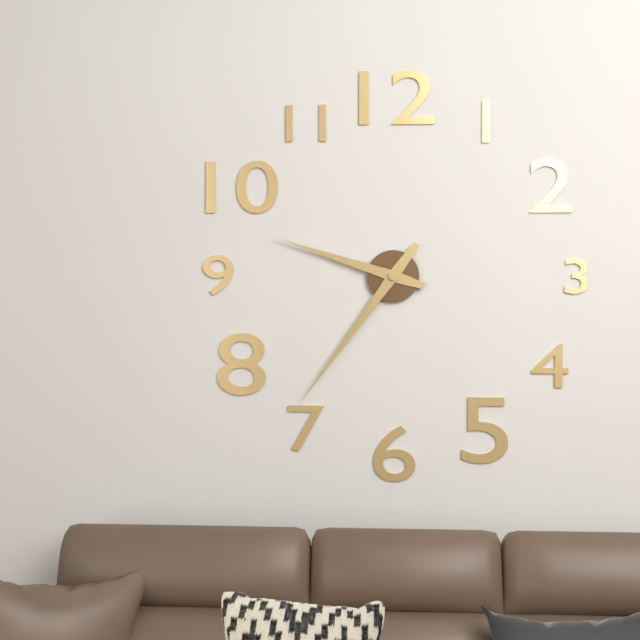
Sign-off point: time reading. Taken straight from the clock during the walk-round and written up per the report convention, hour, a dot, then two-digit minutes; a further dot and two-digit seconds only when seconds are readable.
9.36
